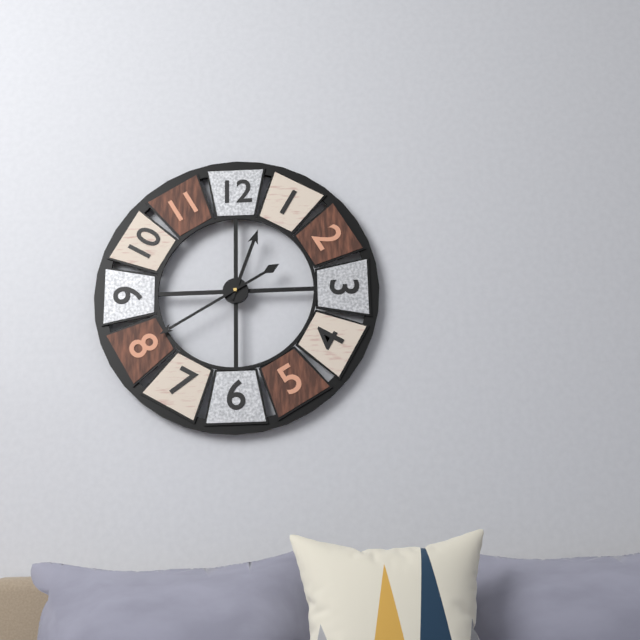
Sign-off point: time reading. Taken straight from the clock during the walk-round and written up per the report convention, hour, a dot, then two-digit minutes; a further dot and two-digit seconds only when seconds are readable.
12.40
